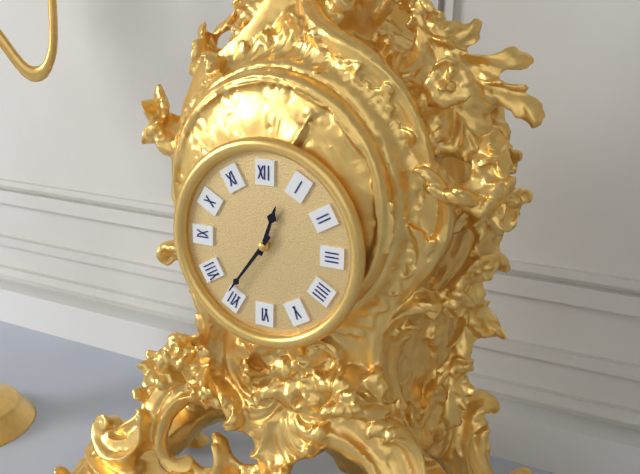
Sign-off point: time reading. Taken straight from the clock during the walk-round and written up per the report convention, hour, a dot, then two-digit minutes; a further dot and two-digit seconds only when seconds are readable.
12.36
